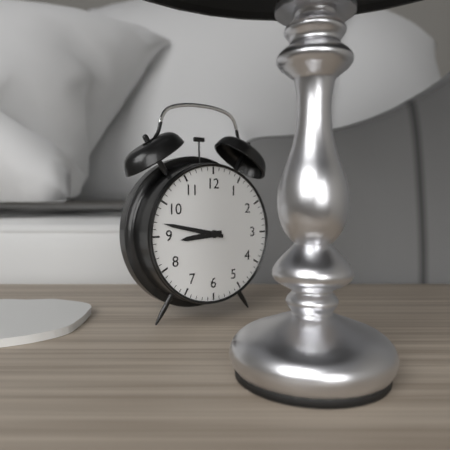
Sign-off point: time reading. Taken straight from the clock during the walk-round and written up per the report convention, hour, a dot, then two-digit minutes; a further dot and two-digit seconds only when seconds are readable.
8.47
